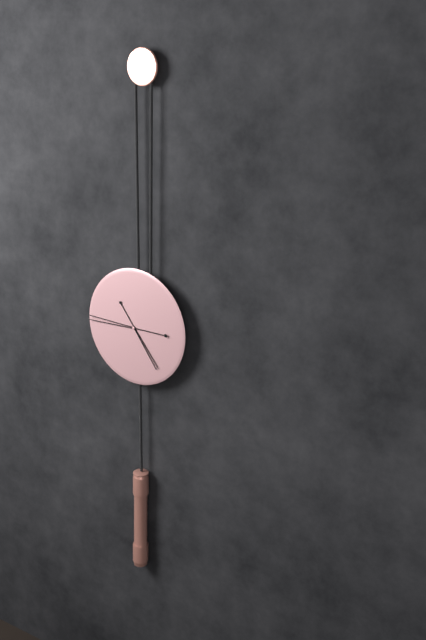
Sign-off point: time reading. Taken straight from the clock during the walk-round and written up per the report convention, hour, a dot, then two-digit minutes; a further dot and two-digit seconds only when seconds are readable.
4.45
